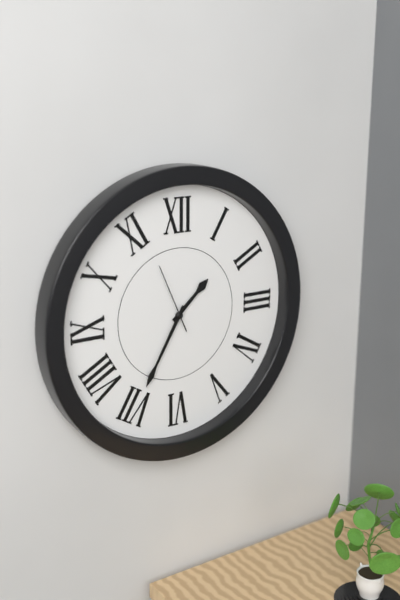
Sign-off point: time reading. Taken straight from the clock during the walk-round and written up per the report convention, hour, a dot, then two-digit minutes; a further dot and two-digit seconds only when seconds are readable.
1.35.56
